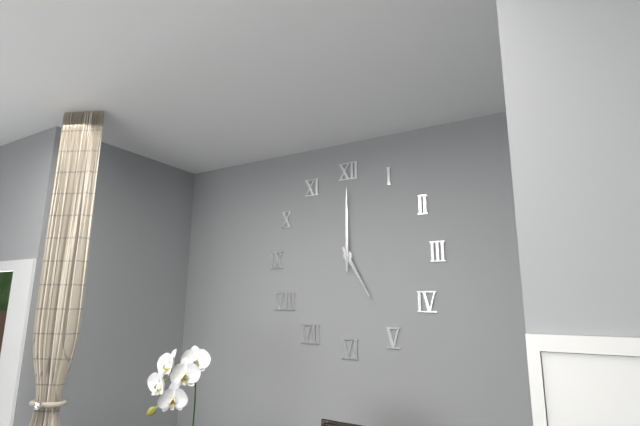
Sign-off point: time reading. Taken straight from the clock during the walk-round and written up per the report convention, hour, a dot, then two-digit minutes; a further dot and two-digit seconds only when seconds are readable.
5.00
